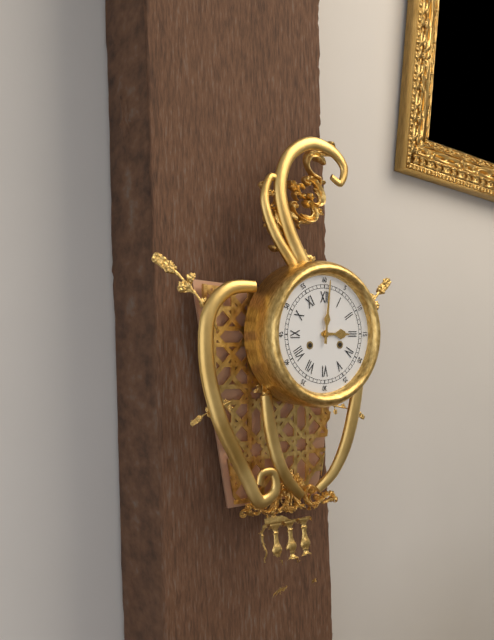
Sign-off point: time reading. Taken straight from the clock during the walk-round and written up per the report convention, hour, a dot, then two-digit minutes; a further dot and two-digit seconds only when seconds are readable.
3.01
